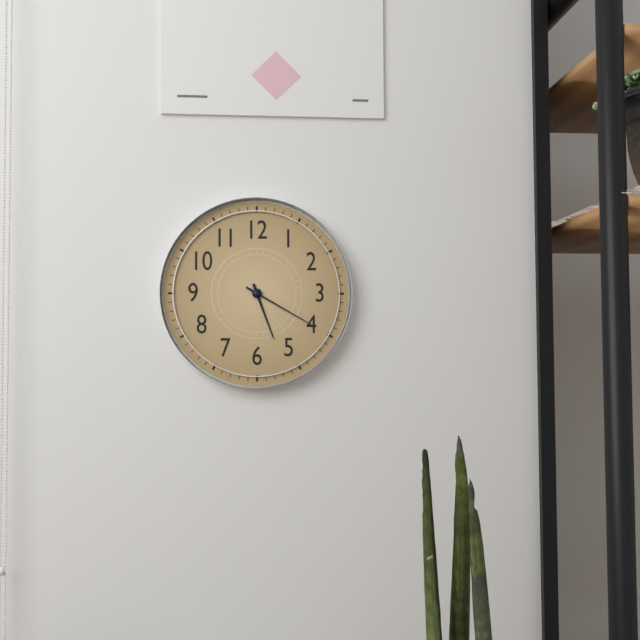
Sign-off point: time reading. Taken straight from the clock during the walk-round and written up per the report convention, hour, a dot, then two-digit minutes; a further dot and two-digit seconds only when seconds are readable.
5.20
